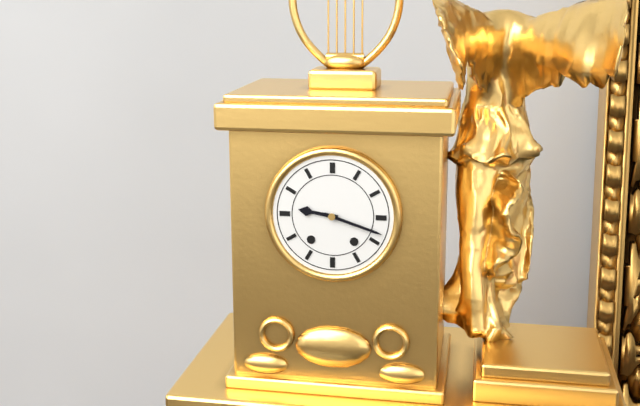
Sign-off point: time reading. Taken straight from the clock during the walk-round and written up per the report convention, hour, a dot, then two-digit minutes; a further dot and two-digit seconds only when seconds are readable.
9.18
